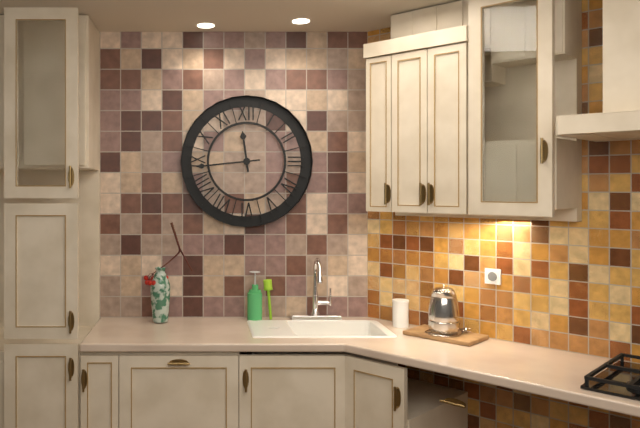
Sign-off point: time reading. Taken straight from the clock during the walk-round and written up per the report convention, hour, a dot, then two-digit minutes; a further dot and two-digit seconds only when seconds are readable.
11.44
